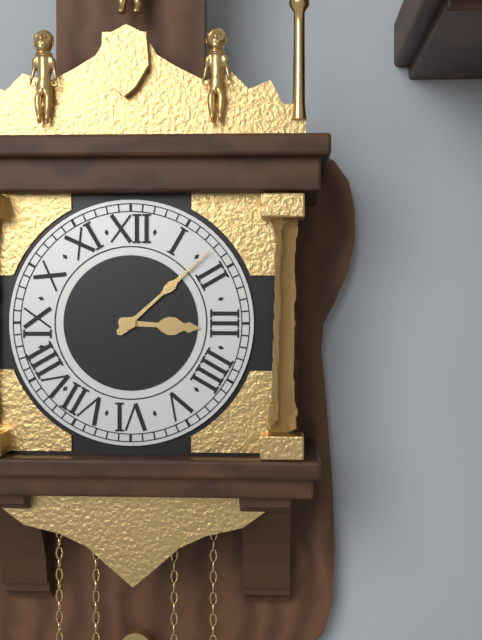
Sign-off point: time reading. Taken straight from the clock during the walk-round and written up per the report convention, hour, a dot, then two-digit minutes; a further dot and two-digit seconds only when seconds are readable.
3.08
